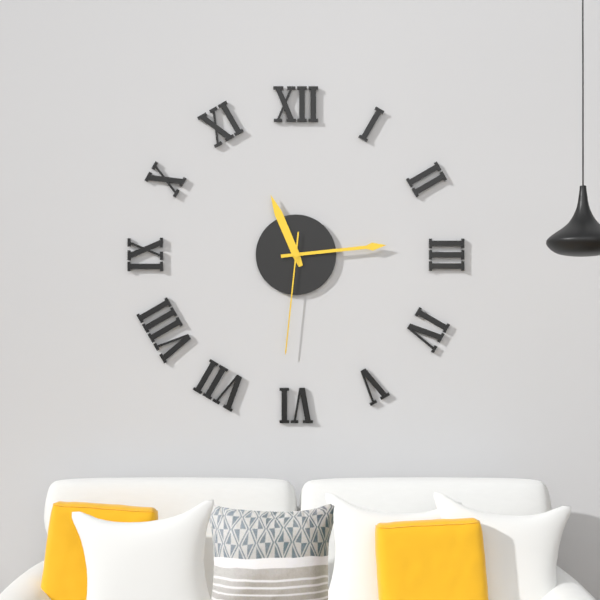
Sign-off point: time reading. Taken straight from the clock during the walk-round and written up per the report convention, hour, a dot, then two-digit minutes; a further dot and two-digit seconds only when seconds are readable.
11.14.31
